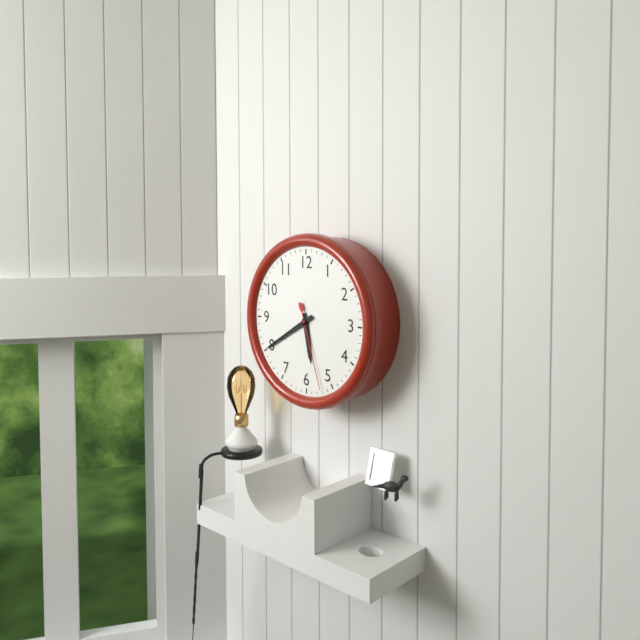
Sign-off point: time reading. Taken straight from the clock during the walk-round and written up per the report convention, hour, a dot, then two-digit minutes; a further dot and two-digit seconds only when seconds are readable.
5.40.27
